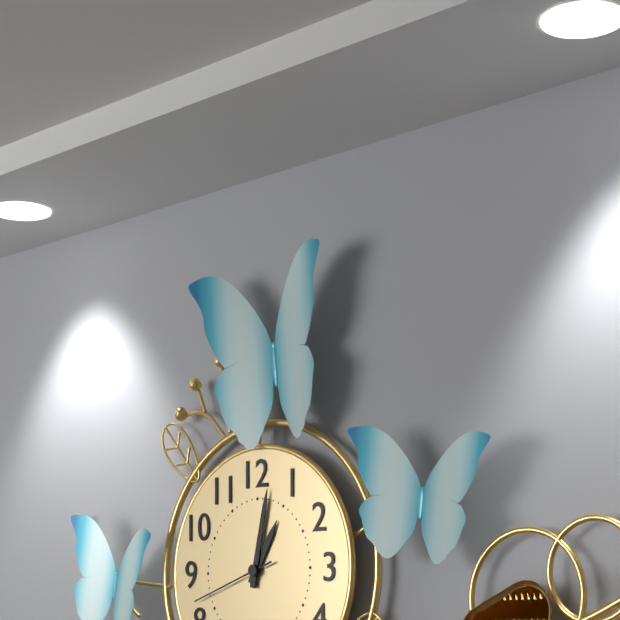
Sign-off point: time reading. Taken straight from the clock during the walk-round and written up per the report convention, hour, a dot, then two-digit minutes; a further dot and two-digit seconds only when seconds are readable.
1.02.42
